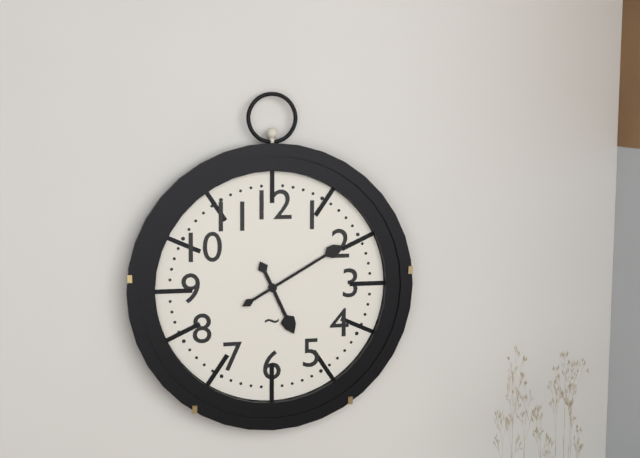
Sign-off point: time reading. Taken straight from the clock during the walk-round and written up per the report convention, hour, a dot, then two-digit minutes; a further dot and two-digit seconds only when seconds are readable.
5.10
